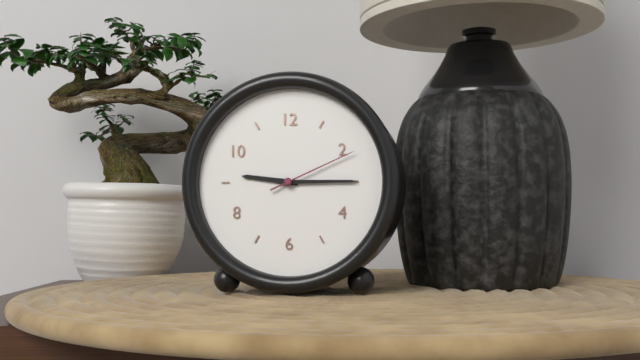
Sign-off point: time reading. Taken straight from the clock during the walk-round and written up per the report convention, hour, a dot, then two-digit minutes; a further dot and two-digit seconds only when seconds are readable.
9.15.11
